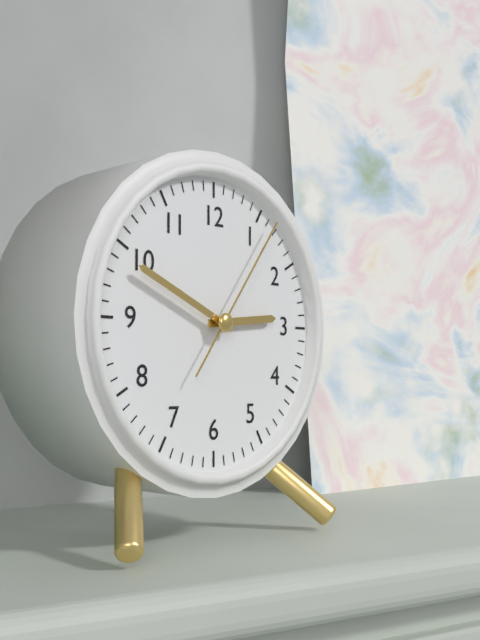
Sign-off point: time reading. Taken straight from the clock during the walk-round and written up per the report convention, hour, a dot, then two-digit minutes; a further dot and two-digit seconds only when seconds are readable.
2.49.06
